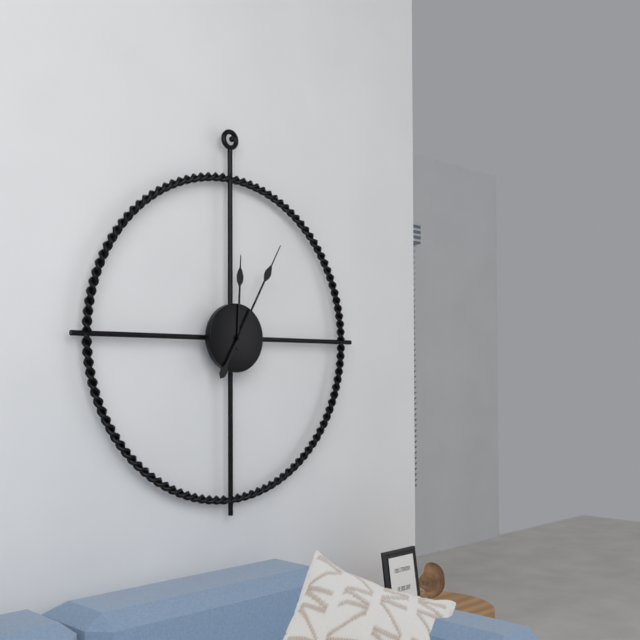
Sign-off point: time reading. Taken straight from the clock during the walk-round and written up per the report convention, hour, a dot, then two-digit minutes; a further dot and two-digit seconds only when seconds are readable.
12.05
